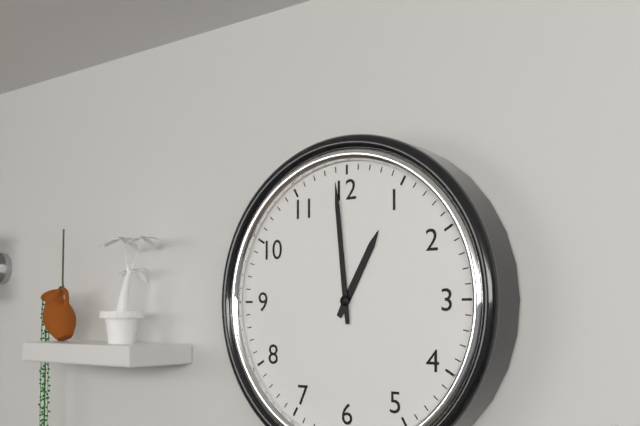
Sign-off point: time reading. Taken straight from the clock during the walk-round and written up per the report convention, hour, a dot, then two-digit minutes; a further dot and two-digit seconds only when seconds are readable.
12.59
